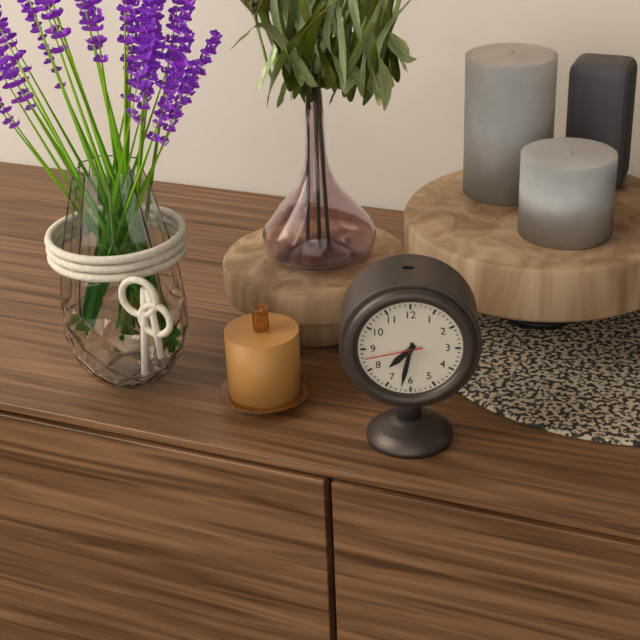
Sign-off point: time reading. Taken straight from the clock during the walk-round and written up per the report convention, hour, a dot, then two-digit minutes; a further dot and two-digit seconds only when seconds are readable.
7.32.43
